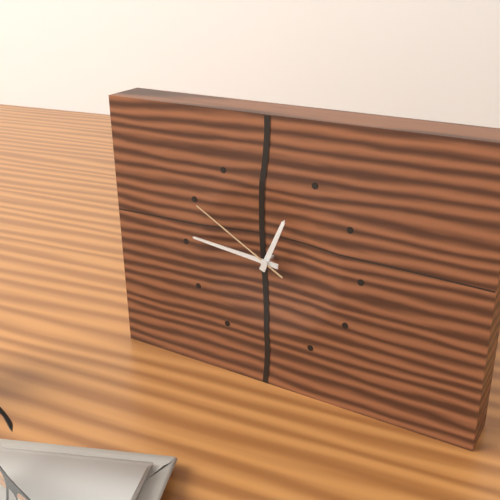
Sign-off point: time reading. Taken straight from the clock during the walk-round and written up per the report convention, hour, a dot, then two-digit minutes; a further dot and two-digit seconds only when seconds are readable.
12.46.50
